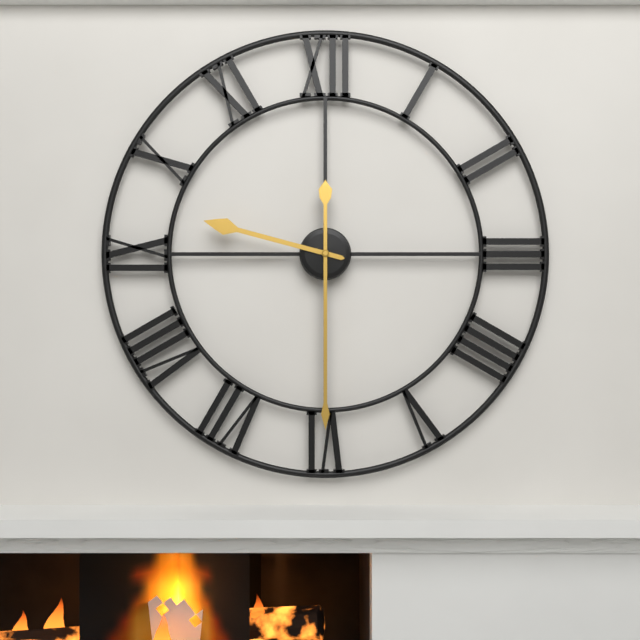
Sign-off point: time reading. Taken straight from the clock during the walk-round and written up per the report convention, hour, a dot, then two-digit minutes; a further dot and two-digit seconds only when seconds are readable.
9.30
